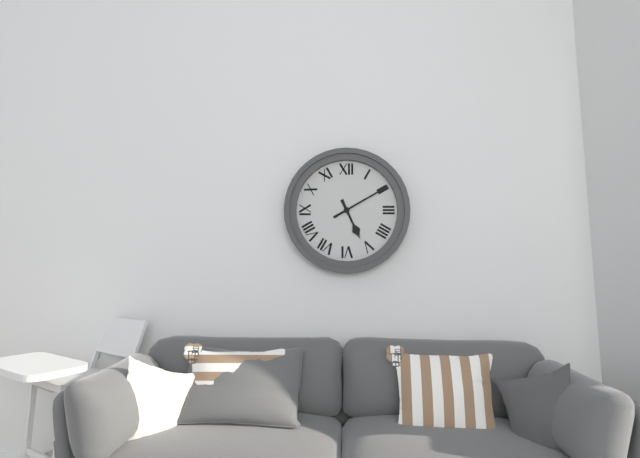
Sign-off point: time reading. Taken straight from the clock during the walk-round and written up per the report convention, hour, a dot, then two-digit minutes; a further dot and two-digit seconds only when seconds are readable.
5.10
